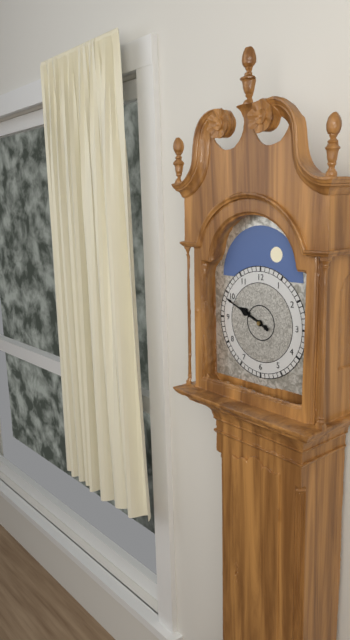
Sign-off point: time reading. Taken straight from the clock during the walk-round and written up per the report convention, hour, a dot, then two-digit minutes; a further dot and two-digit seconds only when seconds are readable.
9.49
